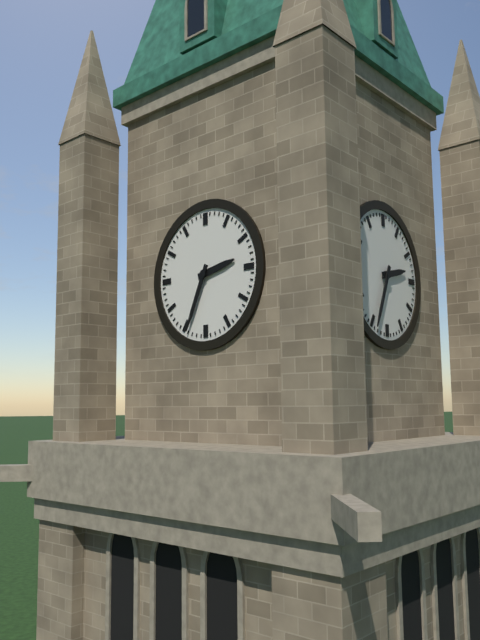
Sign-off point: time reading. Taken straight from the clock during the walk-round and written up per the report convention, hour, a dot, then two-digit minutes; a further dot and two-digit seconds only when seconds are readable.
2.34
